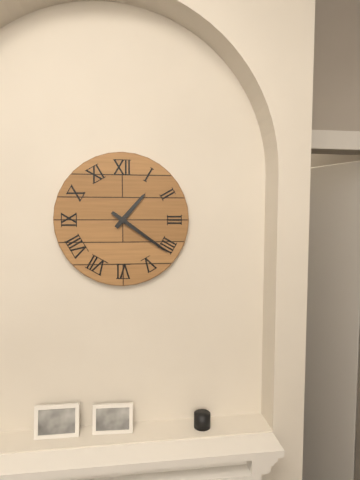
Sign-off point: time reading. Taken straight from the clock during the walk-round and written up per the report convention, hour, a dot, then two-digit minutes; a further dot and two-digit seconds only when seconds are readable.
1.21
